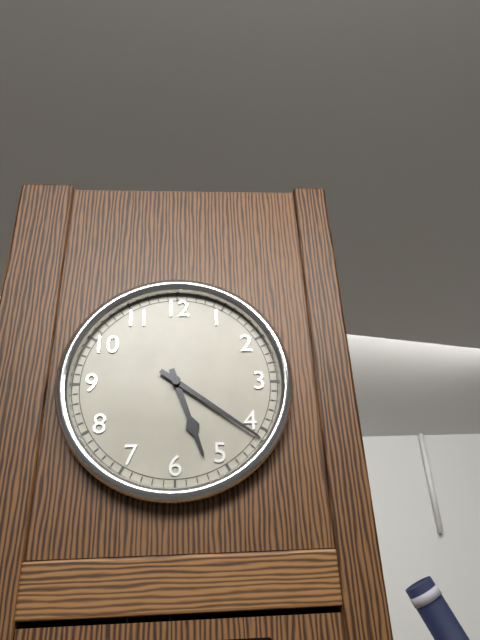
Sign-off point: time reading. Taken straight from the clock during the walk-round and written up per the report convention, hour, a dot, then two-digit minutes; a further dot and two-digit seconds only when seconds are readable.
5.21
